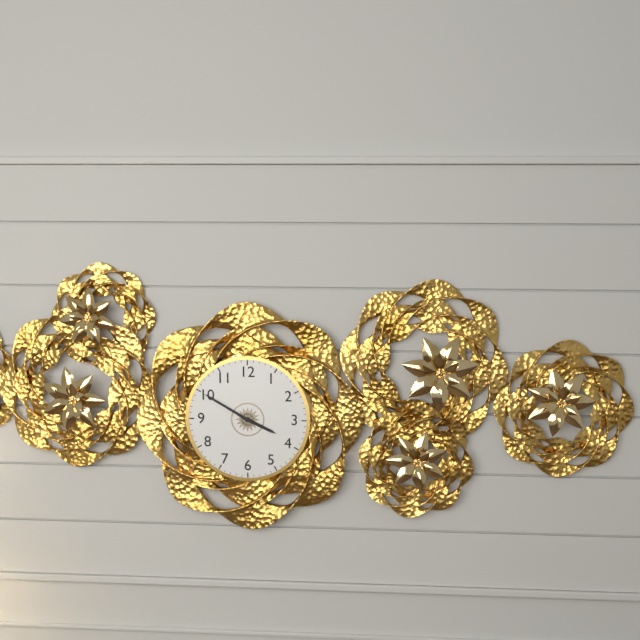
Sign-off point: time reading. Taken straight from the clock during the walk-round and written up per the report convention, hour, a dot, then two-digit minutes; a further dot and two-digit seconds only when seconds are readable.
3.50
